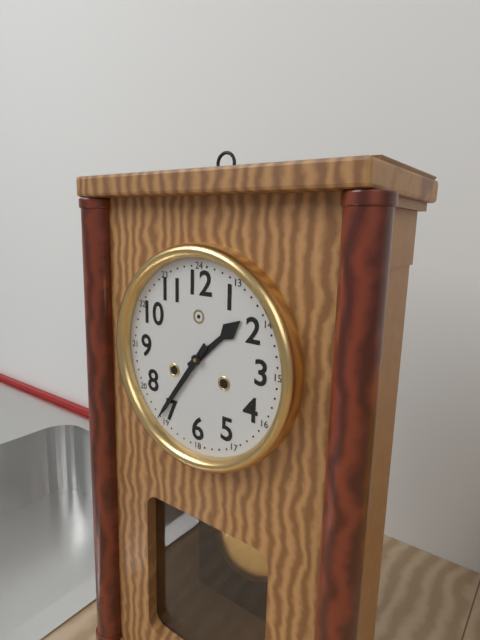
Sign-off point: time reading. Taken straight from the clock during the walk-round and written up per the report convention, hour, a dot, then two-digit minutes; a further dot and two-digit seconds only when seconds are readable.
1.36
